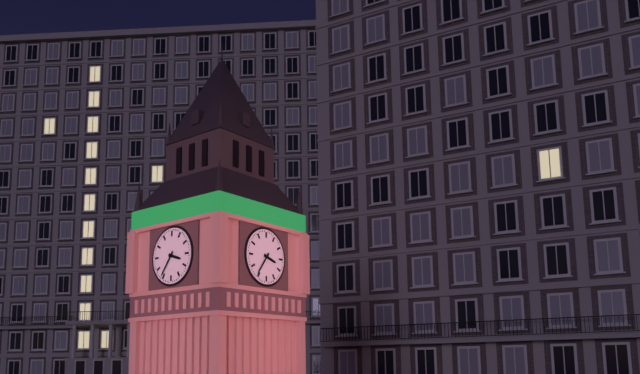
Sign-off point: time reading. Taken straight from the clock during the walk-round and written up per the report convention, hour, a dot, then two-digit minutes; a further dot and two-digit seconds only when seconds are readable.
3.36
